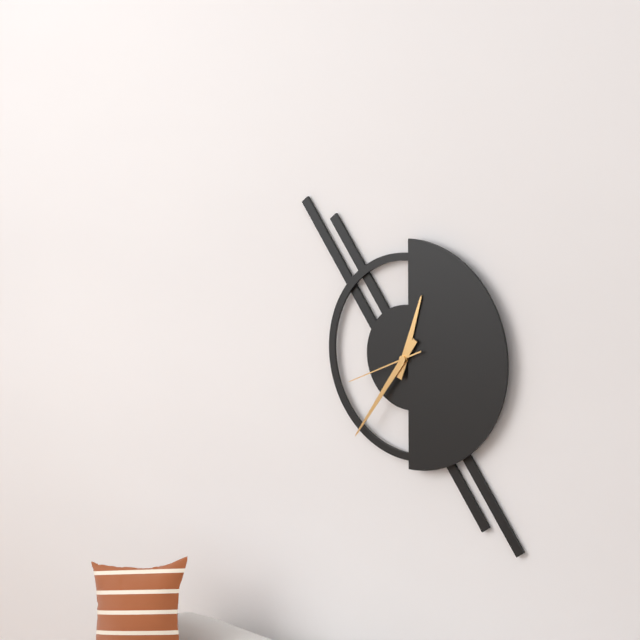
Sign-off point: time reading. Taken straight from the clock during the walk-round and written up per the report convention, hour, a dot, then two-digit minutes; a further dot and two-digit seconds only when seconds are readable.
12.36.41
